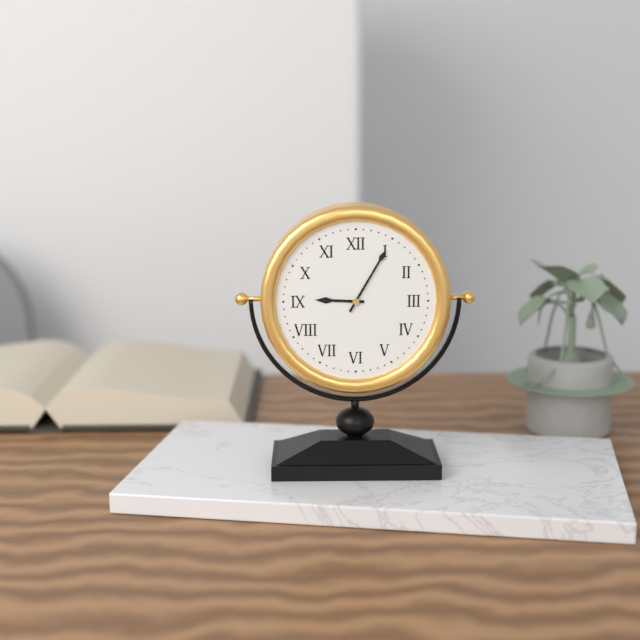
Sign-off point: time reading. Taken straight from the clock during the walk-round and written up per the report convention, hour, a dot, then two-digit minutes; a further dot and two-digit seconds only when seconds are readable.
9.05
